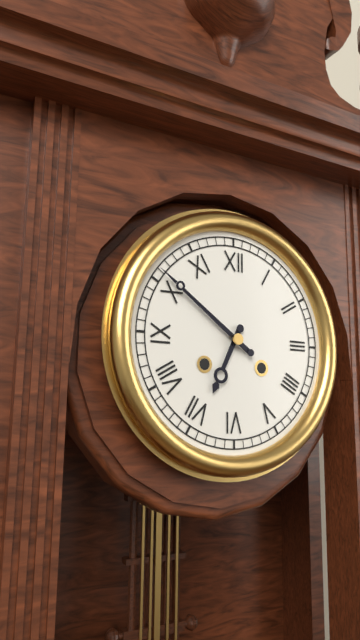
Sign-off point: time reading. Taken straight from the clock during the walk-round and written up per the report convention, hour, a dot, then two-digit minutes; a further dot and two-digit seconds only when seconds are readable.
6.51
